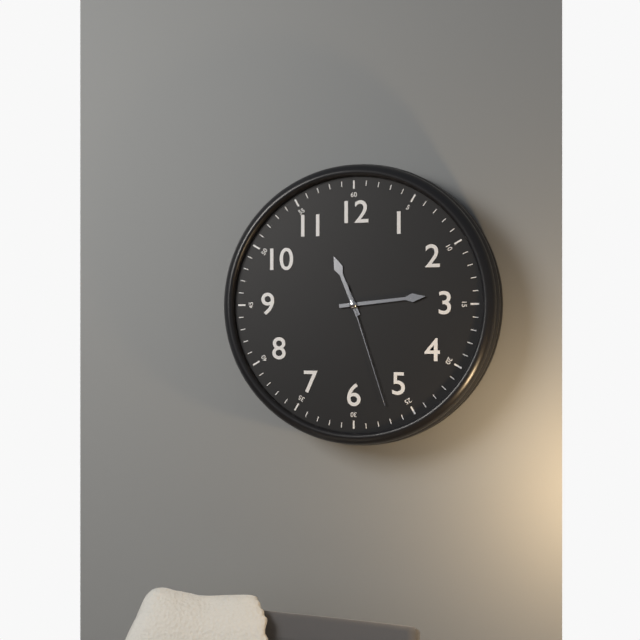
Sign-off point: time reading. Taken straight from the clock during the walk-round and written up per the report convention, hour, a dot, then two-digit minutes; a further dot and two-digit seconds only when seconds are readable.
11.14.27
